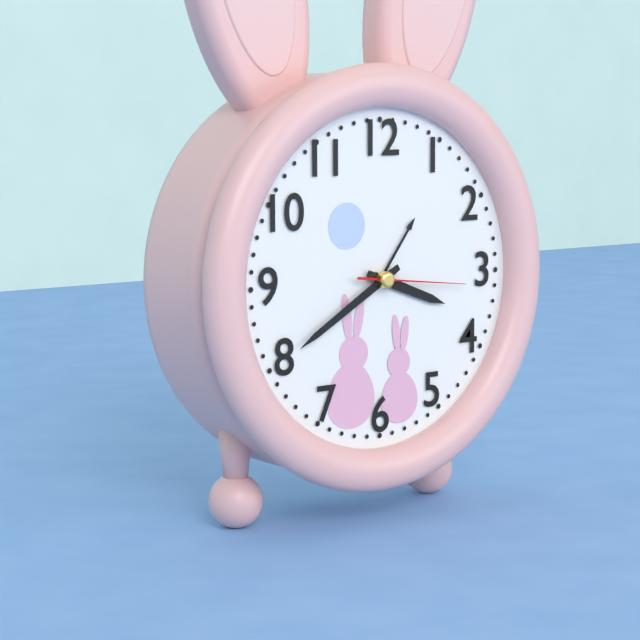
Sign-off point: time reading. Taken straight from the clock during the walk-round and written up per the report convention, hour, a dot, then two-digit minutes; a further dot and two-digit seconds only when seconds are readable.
3.40.16
